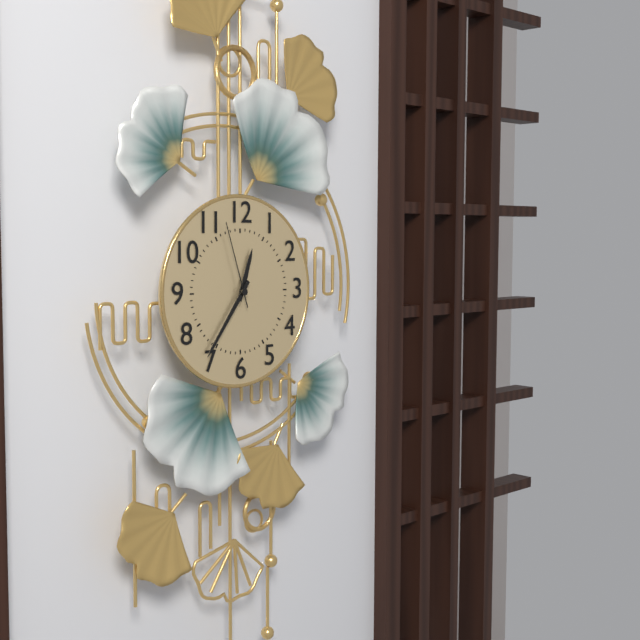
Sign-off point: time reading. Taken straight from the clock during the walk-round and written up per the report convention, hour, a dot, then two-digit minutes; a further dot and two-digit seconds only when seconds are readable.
12.36.57
